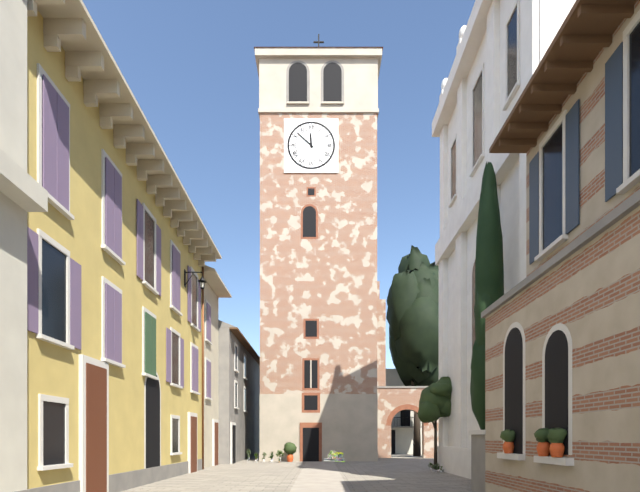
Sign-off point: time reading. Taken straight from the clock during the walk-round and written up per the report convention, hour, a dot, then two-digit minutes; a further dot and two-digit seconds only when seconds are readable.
11.52
